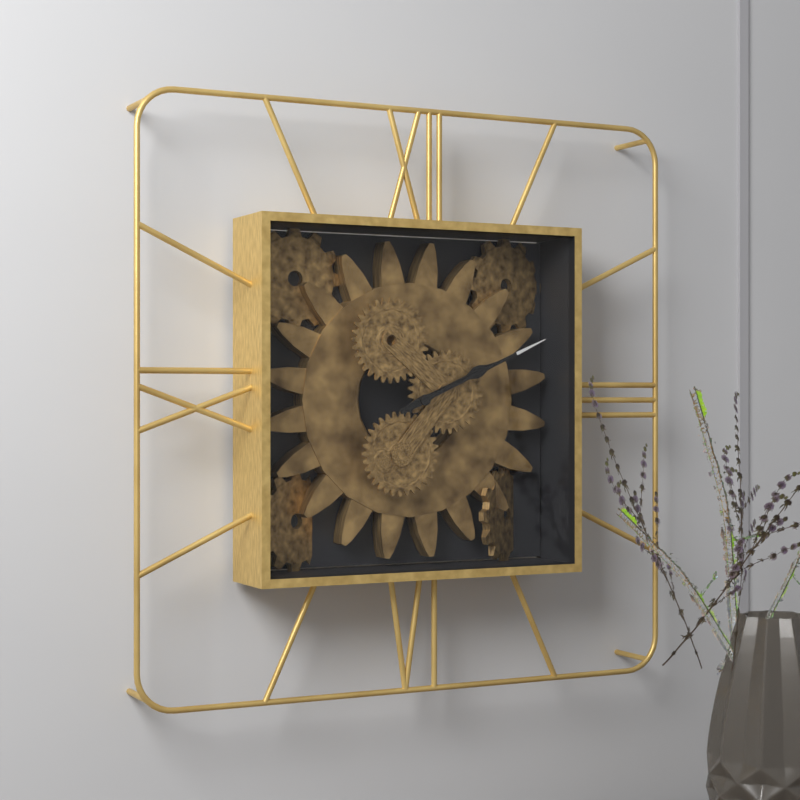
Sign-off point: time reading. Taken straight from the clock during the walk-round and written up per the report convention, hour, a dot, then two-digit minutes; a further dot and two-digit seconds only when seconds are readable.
2.11
